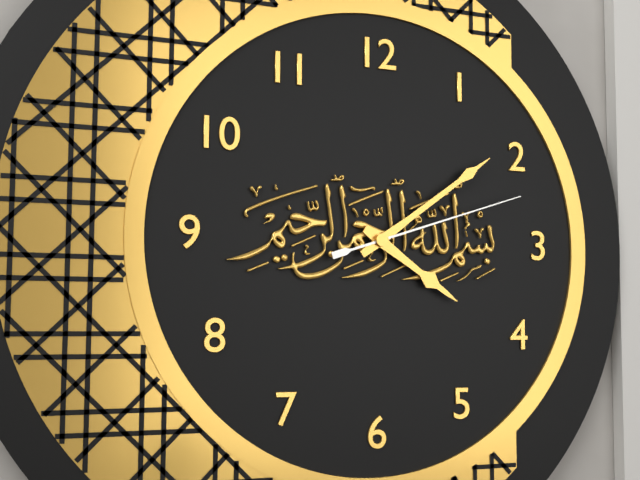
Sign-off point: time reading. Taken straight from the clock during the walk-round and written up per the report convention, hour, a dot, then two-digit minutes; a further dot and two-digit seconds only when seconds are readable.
4.09.12
